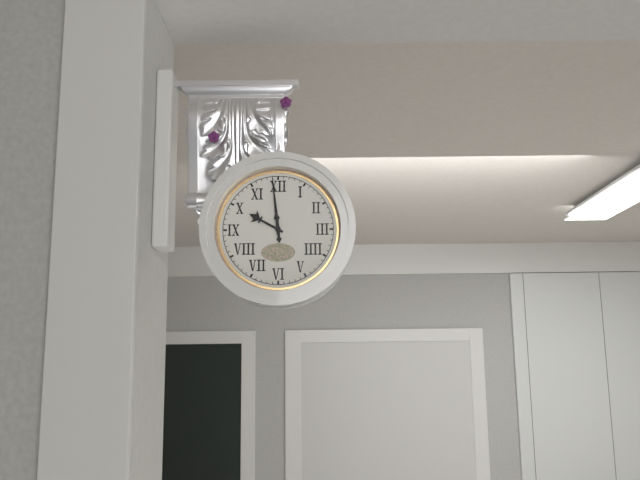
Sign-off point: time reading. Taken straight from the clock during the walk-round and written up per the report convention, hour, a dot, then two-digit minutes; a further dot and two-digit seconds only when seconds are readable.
9.59
